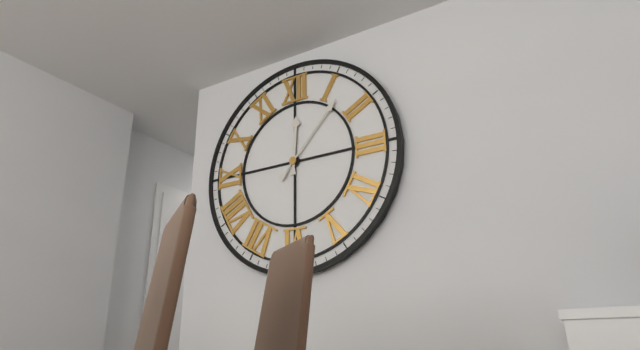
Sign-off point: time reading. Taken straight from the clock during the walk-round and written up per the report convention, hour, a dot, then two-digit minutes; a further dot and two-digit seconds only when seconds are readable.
12.07
